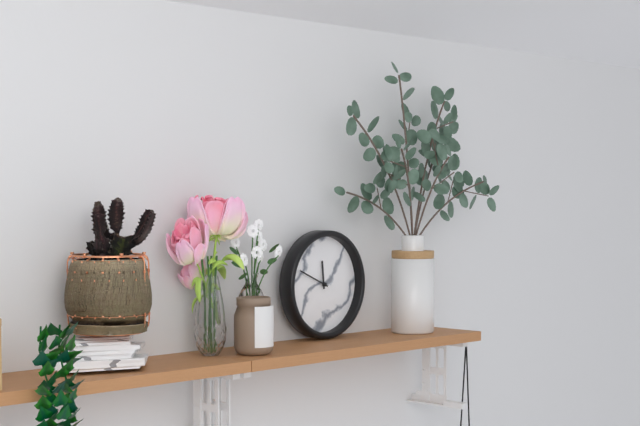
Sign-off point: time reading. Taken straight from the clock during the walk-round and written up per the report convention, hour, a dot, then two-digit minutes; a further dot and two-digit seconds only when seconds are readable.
11.49
